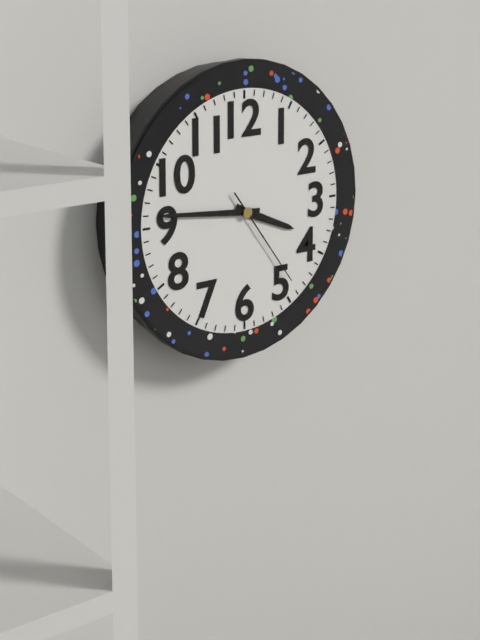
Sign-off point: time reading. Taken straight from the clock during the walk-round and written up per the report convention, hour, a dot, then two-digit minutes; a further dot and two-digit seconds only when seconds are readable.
3.46.24
